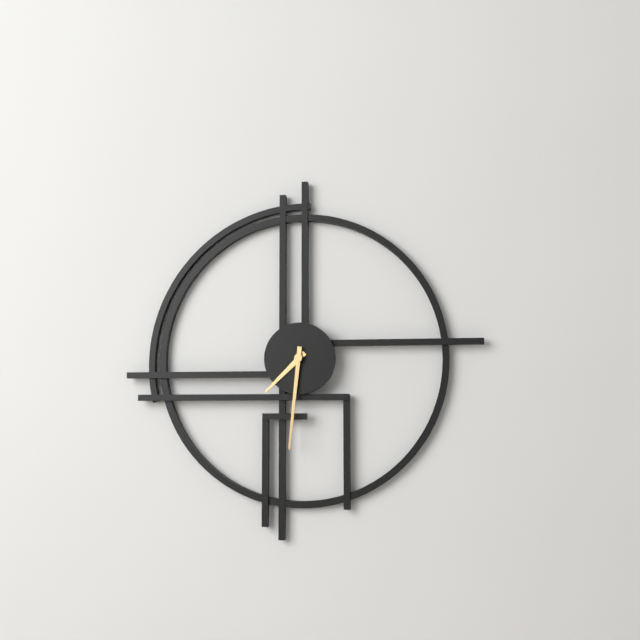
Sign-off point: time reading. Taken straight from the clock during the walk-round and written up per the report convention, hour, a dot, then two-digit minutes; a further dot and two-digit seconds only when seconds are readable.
7.31
